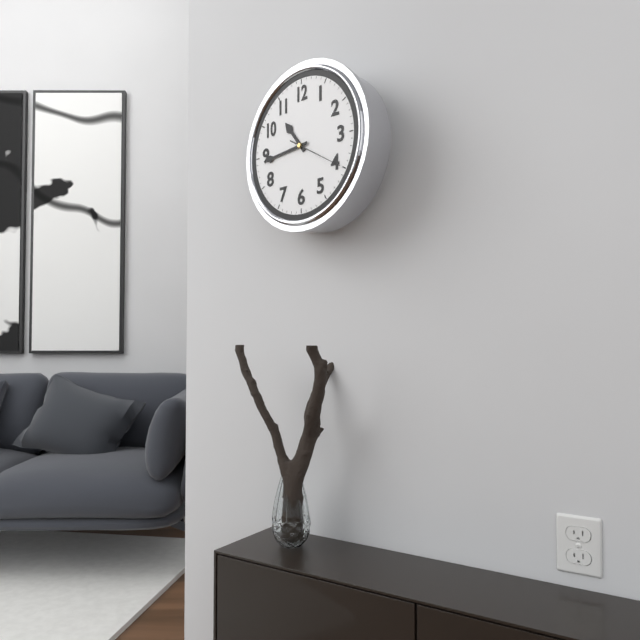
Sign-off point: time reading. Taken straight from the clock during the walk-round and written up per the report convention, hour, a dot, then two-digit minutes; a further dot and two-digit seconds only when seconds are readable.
10.44
